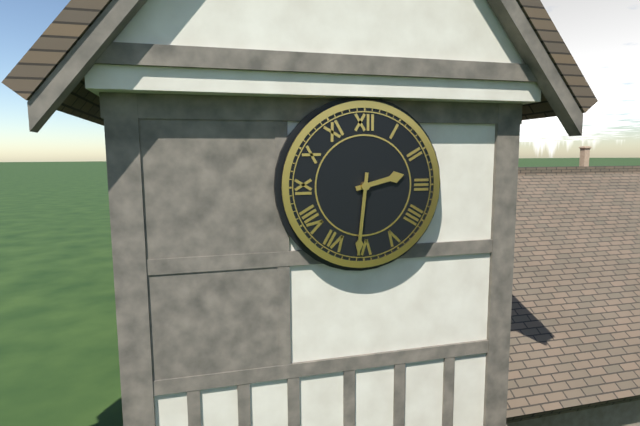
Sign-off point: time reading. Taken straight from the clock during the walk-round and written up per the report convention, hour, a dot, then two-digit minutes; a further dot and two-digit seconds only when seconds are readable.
2.31
